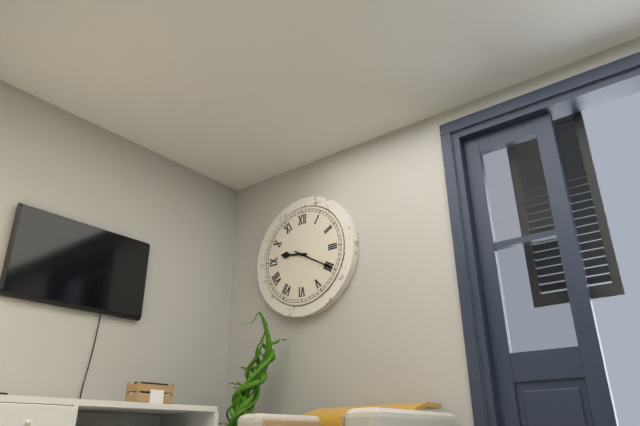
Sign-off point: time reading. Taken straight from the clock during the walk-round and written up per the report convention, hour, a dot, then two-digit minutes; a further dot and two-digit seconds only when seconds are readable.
9.20
